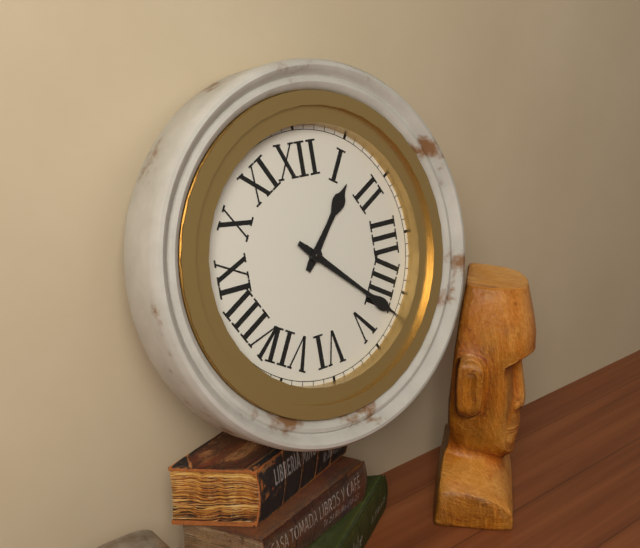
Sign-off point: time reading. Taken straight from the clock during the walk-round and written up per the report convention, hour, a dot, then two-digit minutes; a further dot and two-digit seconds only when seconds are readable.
1.22
